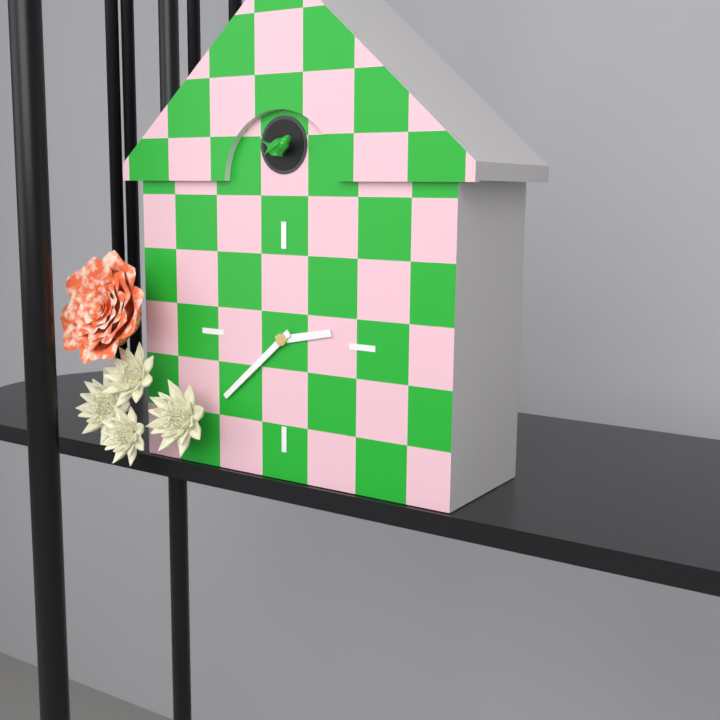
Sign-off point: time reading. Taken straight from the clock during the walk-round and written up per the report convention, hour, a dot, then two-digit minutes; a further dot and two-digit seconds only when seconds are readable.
2.38
